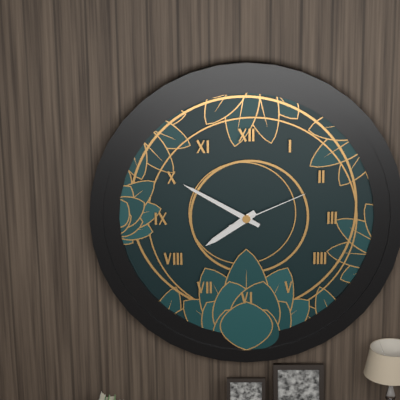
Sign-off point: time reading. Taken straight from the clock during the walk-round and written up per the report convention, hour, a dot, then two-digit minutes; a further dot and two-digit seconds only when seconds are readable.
7.50.11
